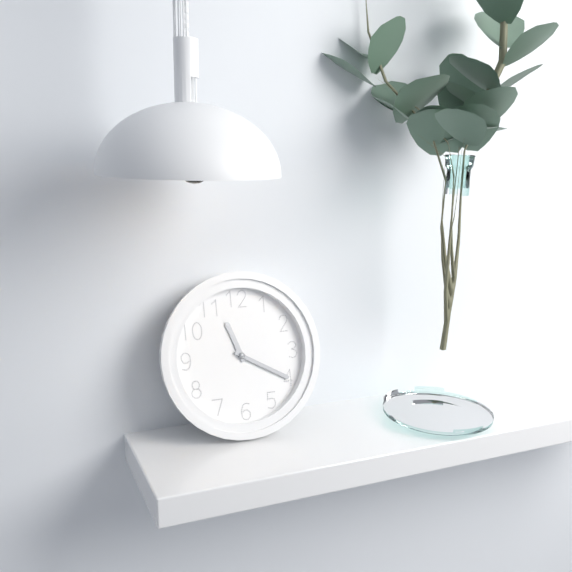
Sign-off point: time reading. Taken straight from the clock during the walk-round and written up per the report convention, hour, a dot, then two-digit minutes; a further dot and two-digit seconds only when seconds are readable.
11.20
